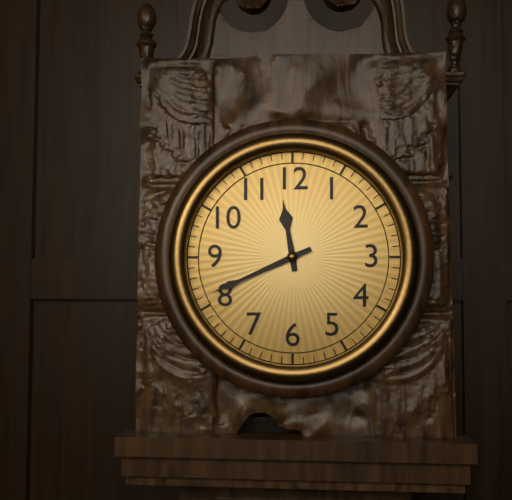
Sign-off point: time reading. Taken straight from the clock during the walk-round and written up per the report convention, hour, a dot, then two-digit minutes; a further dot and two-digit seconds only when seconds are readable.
11.41
